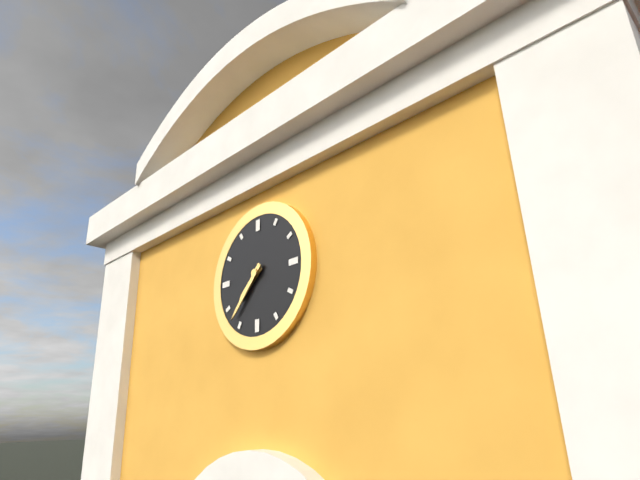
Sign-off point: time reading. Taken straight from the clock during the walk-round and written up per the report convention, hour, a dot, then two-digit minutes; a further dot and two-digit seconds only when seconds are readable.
7.37
